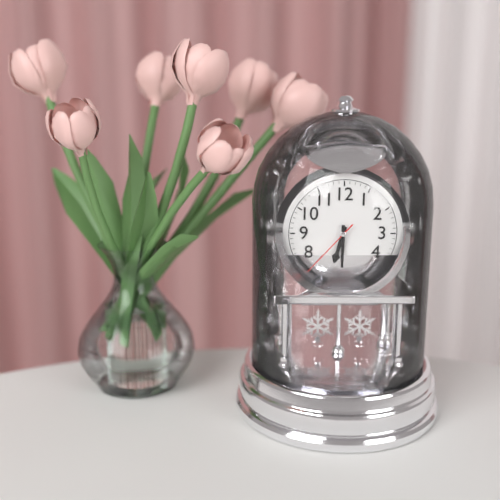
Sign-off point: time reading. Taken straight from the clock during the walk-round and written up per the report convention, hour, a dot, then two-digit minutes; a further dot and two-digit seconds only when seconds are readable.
6.30.37
